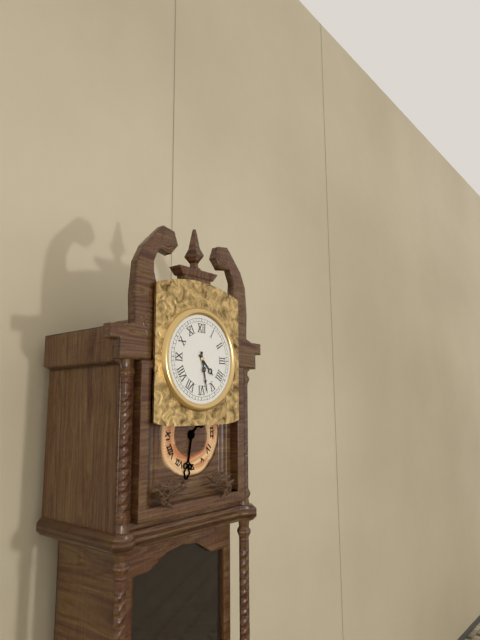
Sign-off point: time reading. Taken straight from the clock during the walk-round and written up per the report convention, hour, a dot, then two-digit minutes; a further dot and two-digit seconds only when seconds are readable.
4.28
